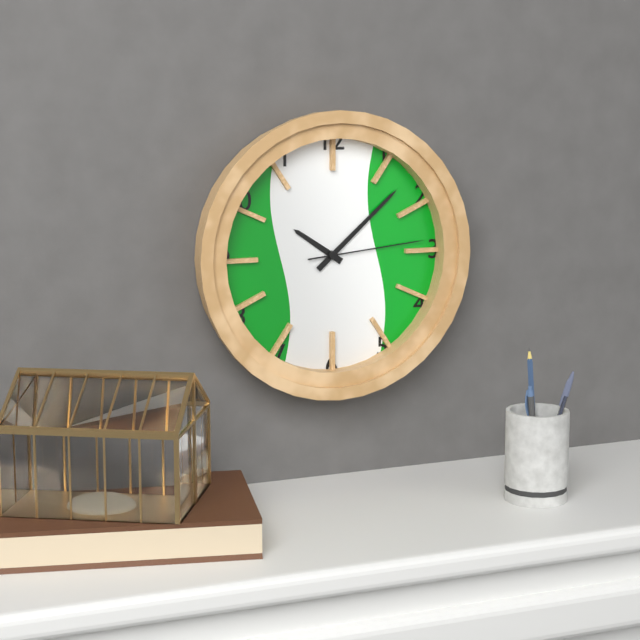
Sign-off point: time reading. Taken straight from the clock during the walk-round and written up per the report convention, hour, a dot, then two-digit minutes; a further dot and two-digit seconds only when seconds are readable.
10.08.14
